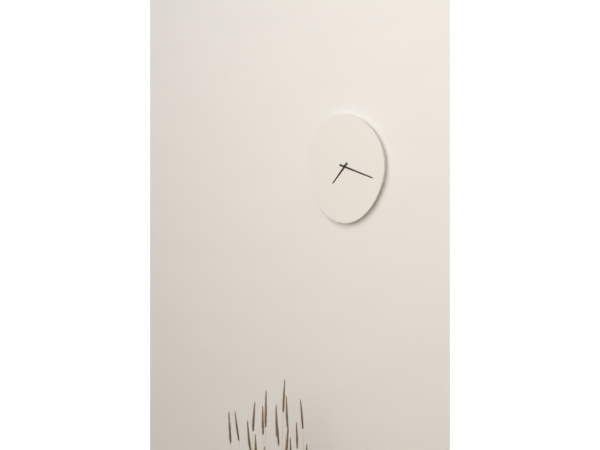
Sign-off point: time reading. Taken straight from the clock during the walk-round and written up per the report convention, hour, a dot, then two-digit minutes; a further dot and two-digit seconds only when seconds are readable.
7.18
